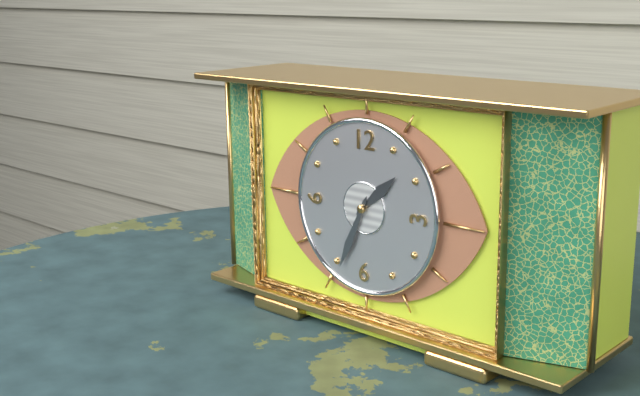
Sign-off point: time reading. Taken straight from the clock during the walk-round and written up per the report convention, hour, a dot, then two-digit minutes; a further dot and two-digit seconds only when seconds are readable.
1.34
